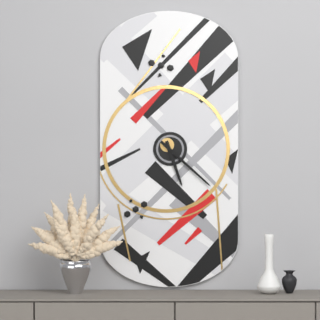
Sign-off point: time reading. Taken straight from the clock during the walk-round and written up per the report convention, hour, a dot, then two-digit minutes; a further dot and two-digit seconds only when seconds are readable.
5.22
